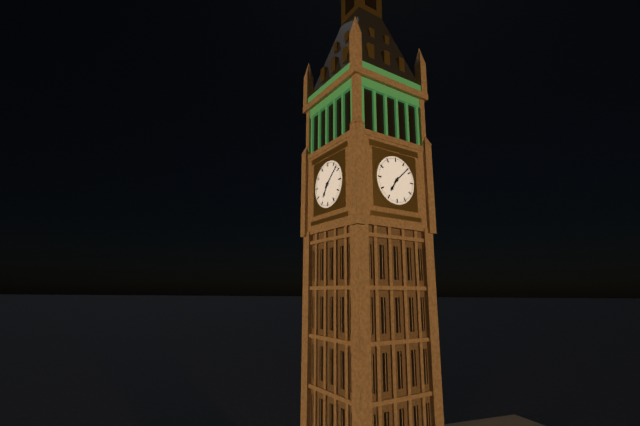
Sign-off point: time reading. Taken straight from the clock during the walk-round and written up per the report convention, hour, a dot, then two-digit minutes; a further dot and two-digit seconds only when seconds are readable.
7.08
